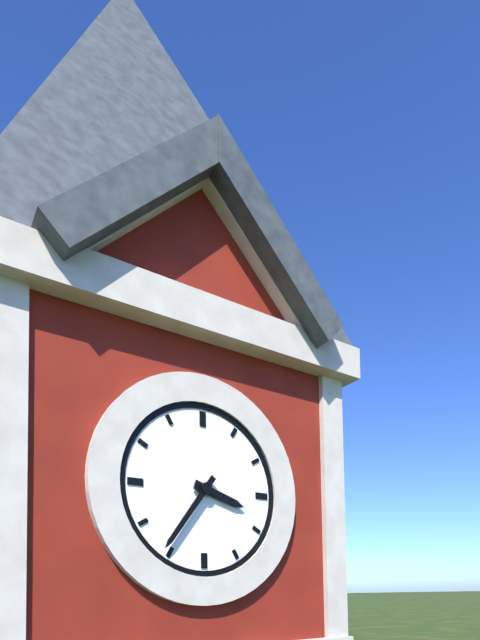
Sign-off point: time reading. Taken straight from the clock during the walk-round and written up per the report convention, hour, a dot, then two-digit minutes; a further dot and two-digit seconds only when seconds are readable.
3.36
